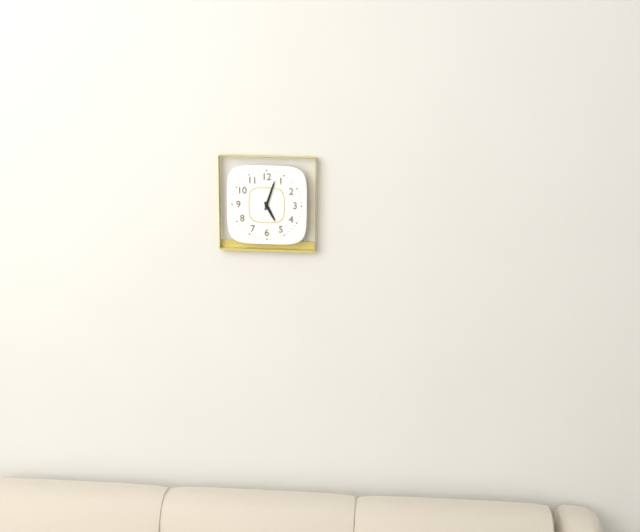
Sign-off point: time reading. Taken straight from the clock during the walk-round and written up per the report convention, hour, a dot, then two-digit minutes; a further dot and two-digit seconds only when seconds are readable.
5.03
